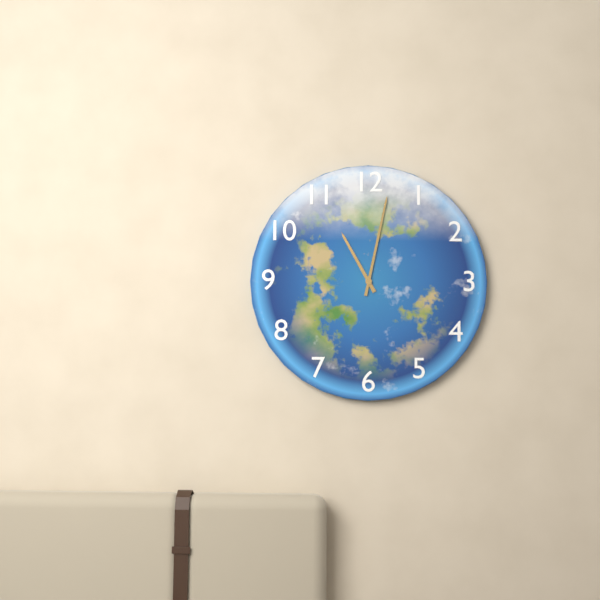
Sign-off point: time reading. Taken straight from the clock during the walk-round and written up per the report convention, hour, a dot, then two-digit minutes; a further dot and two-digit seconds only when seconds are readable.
11.02
